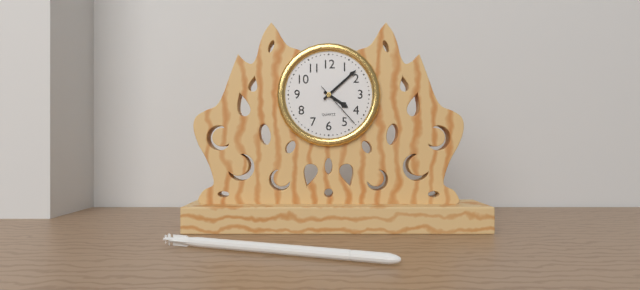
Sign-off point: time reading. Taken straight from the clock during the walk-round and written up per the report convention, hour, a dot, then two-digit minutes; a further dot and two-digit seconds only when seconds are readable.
4.08
